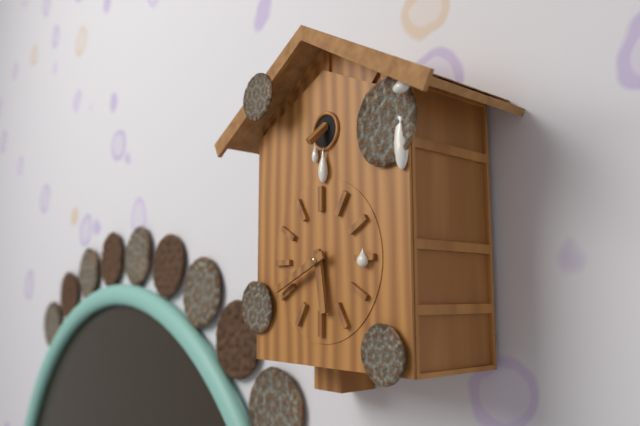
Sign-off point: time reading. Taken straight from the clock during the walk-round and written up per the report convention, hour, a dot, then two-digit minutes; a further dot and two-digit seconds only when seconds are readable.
5.41
